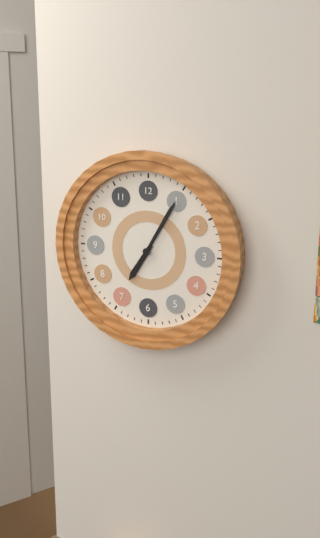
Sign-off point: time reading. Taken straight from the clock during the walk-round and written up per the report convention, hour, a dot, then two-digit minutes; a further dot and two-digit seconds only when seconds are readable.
7.05
